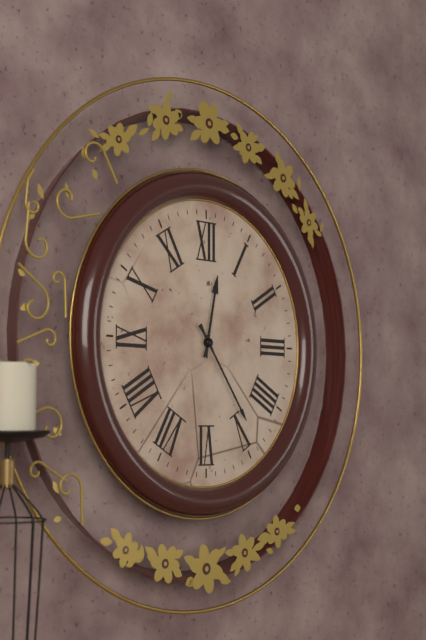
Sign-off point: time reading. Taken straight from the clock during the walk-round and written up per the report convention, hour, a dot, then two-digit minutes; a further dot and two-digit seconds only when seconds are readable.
12.24
